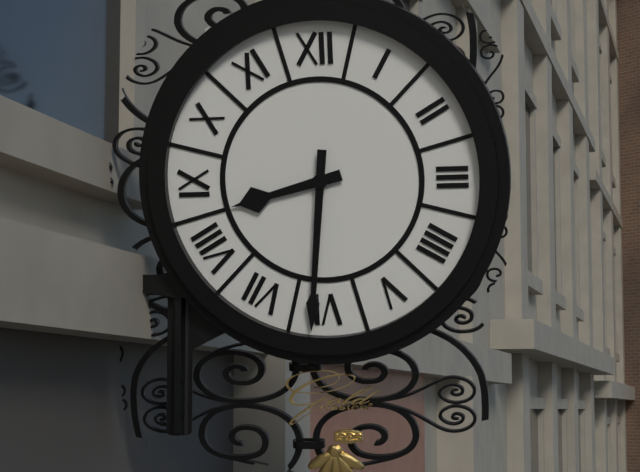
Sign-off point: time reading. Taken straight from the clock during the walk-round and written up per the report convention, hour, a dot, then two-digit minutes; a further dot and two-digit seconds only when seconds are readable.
8.31
